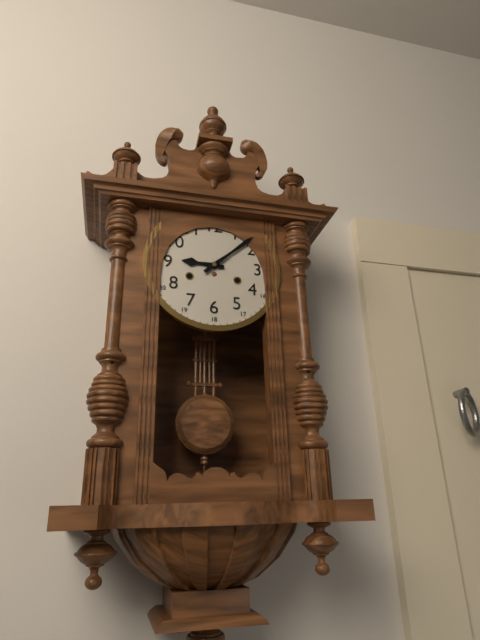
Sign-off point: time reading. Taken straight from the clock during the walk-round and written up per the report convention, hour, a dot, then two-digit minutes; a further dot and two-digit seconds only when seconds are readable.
9.08
